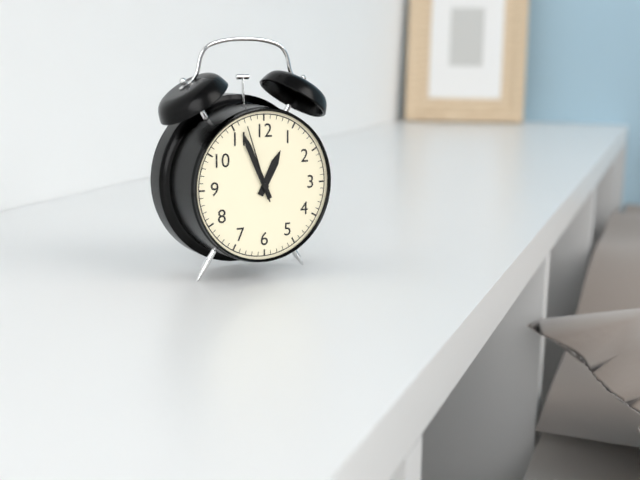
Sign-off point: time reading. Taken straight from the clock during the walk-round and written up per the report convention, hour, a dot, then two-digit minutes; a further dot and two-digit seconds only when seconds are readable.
12.56.57
